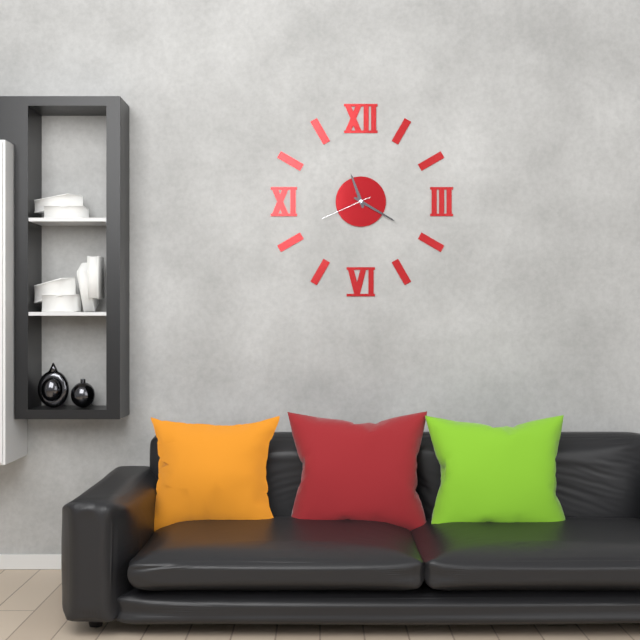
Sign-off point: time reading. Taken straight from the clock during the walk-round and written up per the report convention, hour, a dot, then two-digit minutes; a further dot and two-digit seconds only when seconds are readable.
11.20.41
